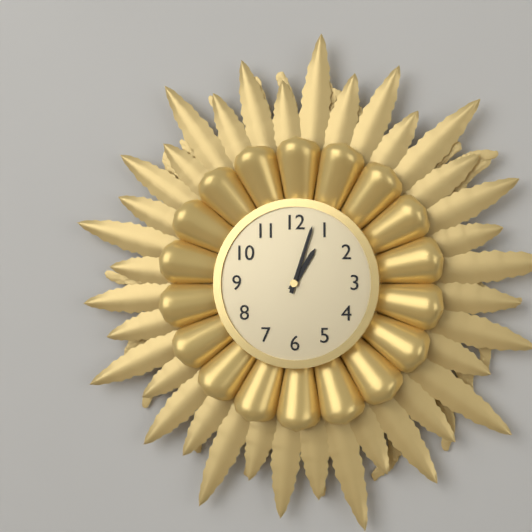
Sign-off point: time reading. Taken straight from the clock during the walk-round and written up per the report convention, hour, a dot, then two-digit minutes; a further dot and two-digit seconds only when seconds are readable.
1.03
